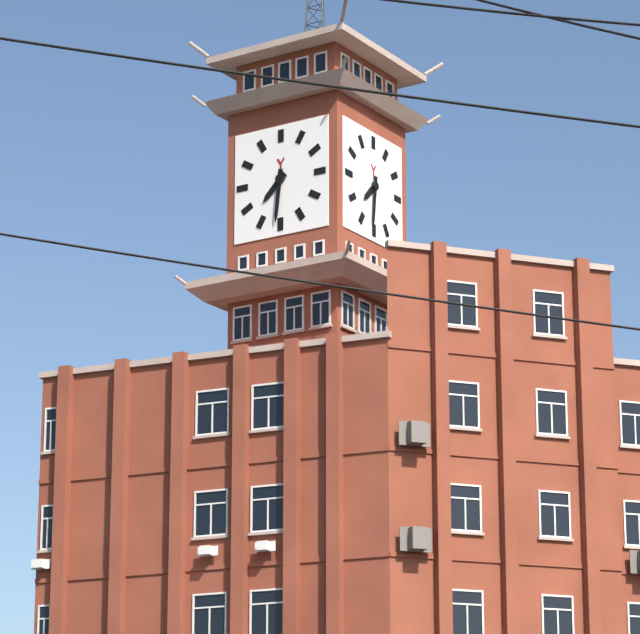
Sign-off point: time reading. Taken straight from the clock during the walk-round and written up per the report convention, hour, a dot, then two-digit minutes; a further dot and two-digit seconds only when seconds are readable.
7.31
